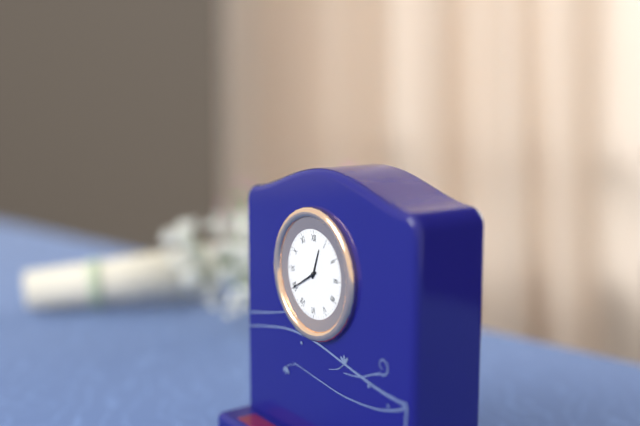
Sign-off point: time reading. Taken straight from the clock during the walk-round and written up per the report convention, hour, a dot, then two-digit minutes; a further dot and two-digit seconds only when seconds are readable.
12.40
